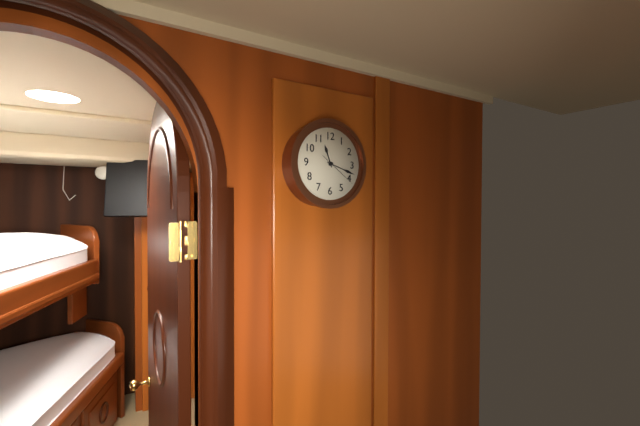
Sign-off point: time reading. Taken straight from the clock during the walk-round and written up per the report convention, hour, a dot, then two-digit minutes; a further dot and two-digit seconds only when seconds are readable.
11.18
